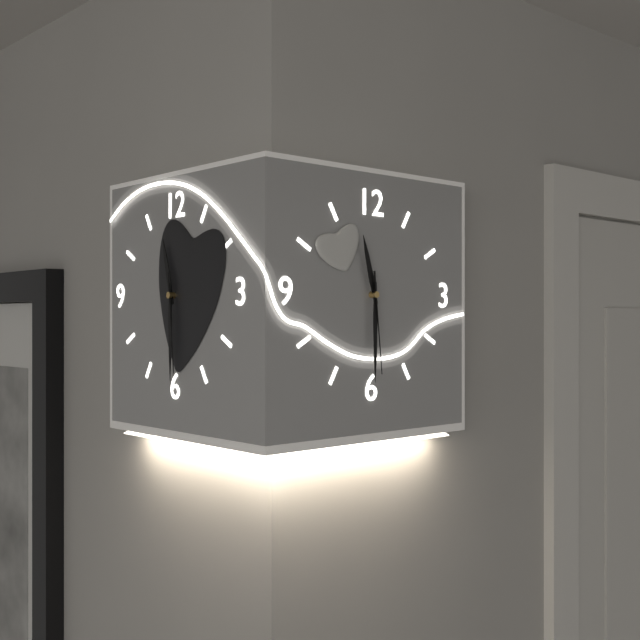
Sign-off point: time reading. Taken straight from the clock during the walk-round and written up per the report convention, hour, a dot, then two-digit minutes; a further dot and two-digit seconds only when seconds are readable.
11.30.29
